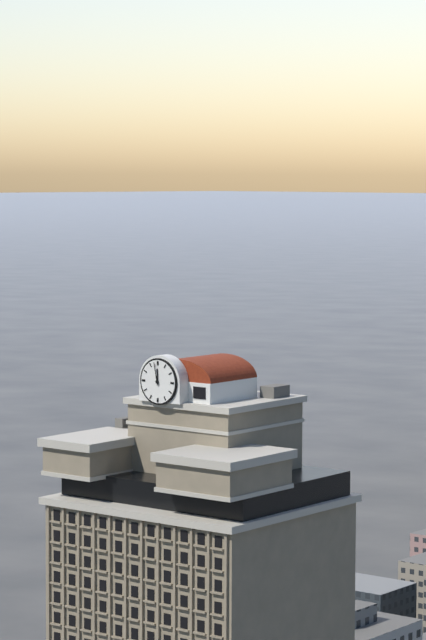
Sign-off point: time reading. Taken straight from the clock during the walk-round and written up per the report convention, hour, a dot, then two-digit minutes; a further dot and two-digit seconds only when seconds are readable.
11.58
